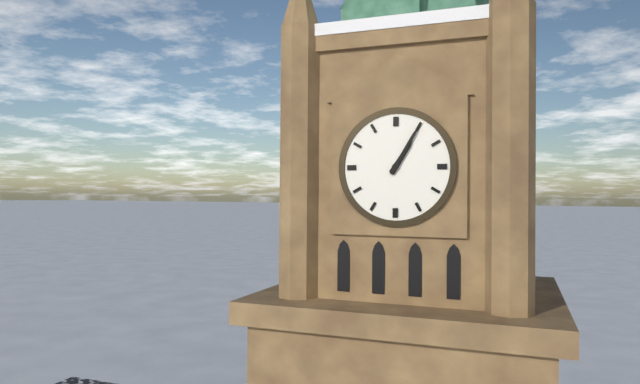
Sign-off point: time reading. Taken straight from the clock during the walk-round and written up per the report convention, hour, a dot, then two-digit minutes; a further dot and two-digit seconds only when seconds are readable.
1.05
